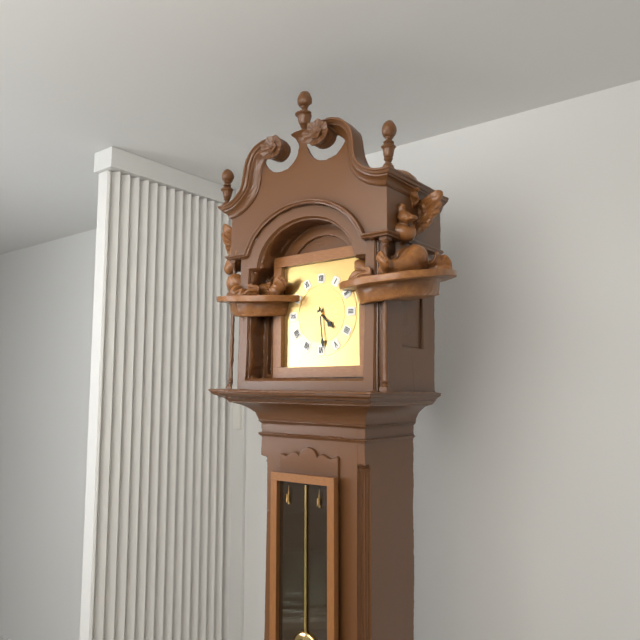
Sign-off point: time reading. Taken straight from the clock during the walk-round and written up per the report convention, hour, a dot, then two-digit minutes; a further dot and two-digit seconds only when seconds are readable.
4.29
